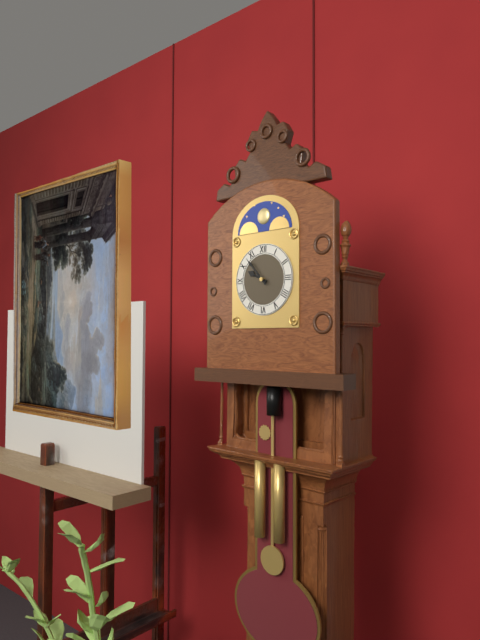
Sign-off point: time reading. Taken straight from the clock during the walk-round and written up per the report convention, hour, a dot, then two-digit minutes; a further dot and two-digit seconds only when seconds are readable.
9.53
